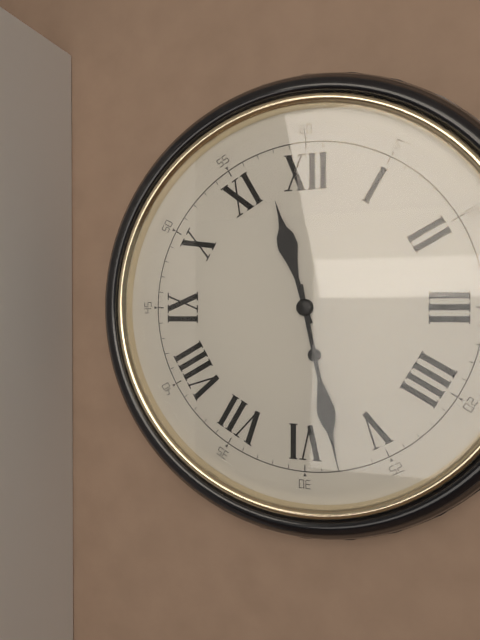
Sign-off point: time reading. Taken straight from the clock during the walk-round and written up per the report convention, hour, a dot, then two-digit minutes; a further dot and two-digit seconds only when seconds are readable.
11.28
